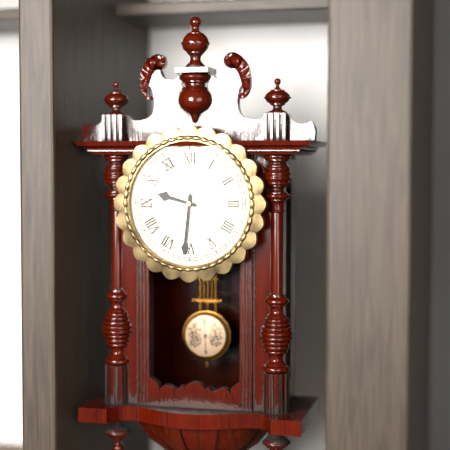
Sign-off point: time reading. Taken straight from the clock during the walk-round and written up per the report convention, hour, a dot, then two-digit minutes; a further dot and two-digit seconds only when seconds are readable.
9.31
